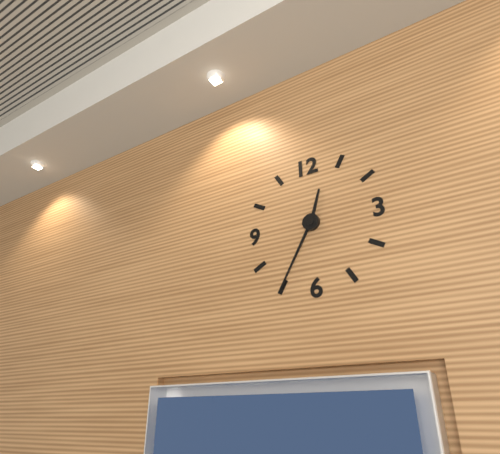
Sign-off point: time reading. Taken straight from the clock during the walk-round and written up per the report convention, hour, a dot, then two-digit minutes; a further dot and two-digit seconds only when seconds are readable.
12.35
